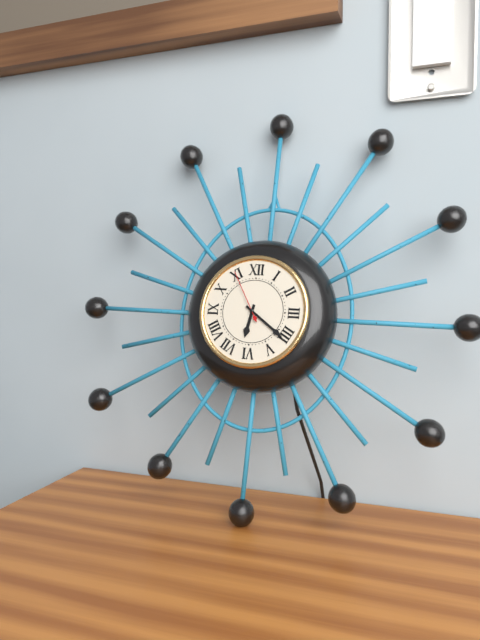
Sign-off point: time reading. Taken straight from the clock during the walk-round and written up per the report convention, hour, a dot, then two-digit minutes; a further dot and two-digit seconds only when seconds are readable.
6.21.55
